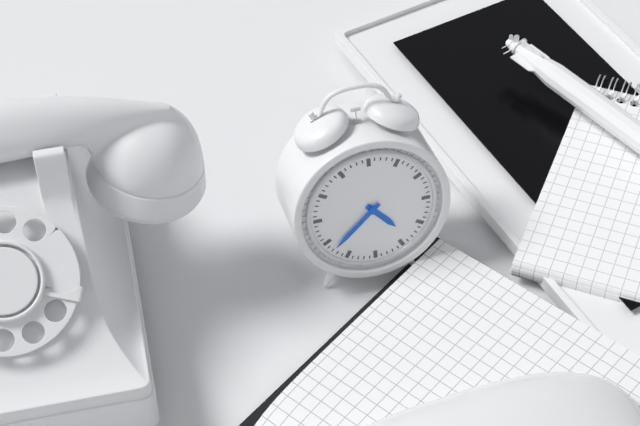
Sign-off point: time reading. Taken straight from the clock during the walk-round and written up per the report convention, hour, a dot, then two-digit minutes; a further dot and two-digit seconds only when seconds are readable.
4.38
